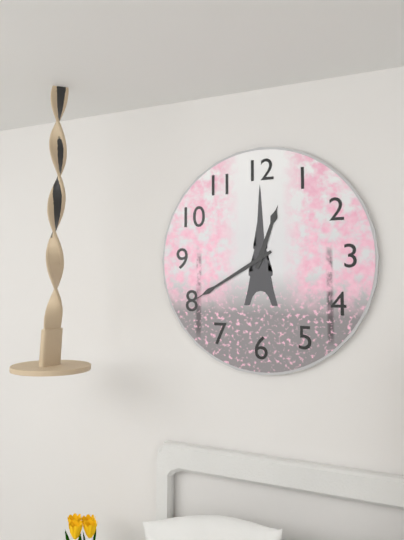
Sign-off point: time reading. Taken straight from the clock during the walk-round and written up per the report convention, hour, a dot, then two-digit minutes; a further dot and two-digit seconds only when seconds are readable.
12.40
